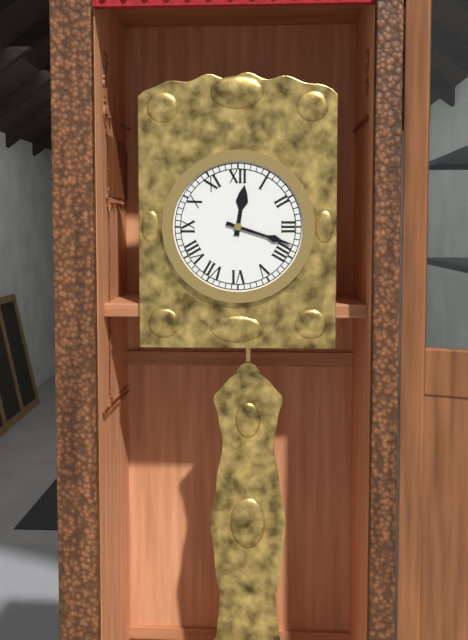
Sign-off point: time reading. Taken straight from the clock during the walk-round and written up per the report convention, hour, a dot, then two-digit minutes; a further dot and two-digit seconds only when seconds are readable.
12.18
